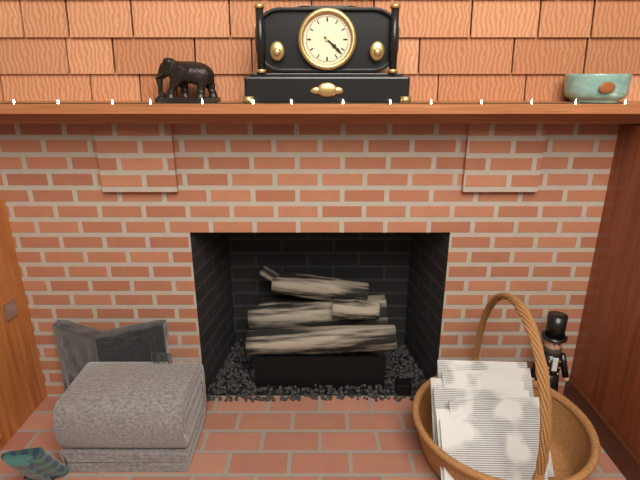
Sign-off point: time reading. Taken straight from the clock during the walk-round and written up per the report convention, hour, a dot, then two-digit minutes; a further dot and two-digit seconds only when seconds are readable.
4.22
